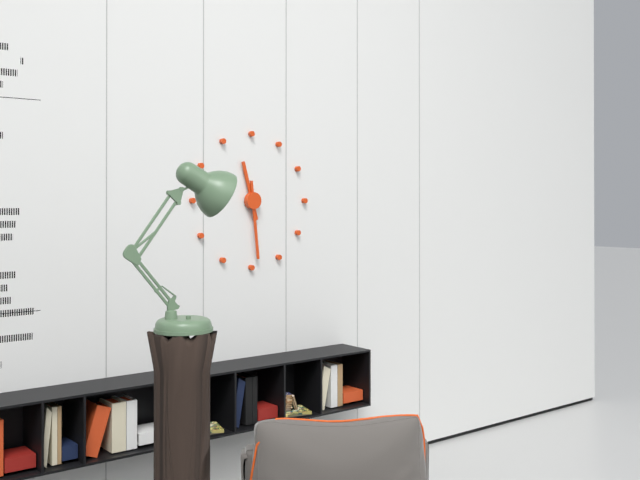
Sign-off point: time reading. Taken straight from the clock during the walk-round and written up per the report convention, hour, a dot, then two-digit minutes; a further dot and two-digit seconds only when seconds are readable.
11.29
